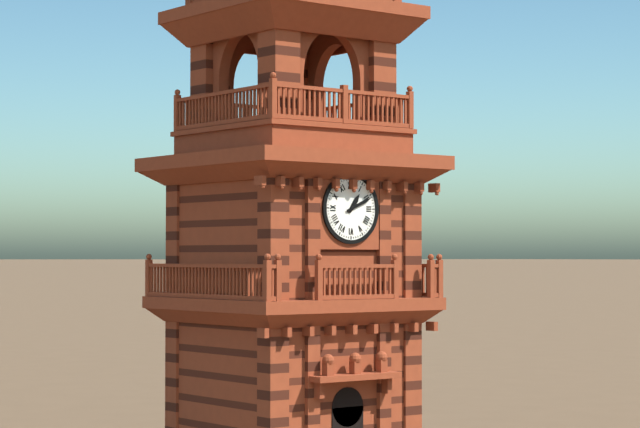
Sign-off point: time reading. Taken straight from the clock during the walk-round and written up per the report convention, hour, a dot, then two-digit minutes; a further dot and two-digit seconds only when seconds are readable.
1.11
